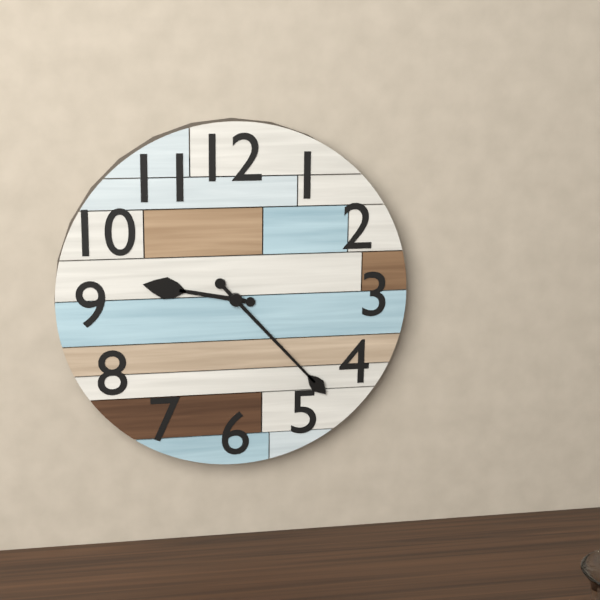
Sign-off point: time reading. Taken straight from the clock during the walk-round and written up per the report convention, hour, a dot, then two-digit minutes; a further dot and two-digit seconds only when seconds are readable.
9.23
